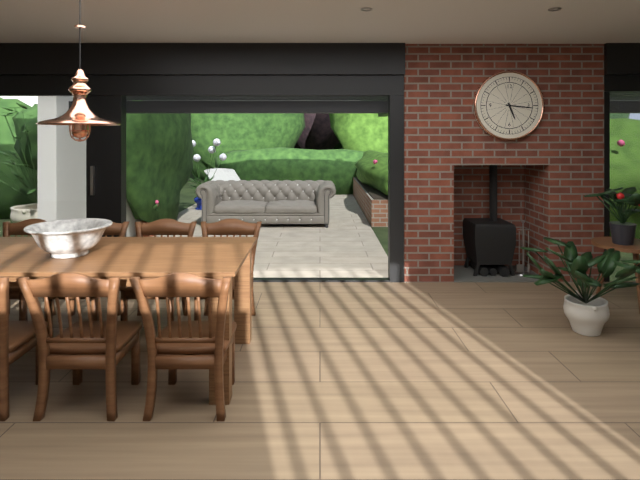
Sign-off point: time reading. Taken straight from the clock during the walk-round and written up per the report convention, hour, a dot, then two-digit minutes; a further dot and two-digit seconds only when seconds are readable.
5.16
